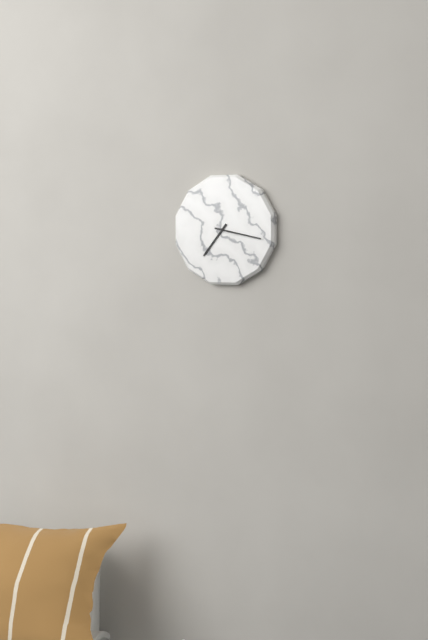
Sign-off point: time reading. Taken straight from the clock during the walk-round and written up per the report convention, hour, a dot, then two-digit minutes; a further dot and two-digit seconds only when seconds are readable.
7.17
